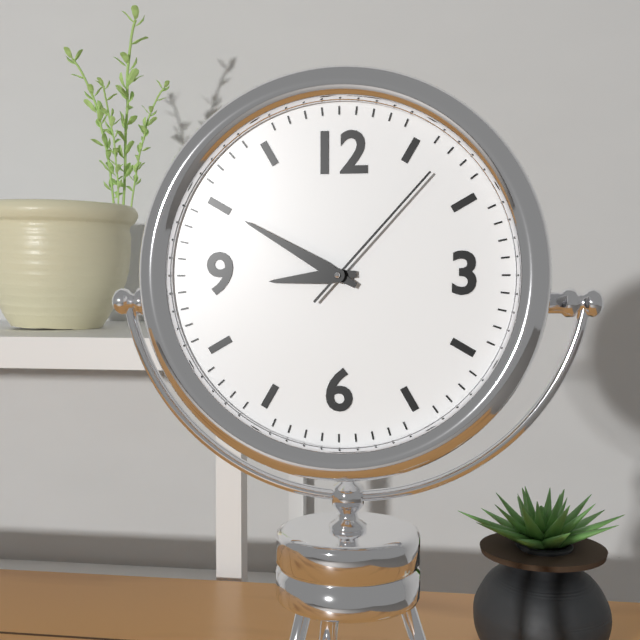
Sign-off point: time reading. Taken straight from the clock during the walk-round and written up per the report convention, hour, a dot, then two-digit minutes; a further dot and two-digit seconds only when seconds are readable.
8.50.07
